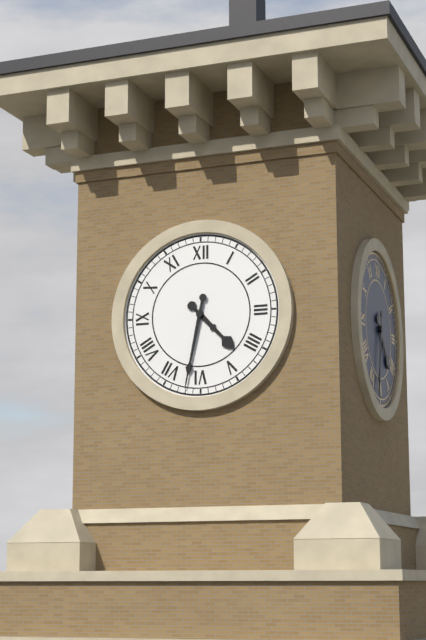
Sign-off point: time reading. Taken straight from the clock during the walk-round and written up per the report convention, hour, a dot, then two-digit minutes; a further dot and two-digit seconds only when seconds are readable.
4.32
